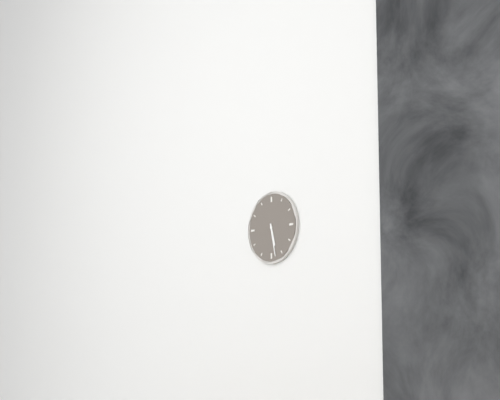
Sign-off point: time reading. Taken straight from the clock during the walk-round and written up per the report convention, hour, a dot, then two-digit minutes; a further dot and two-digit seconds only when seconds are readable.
5.28
